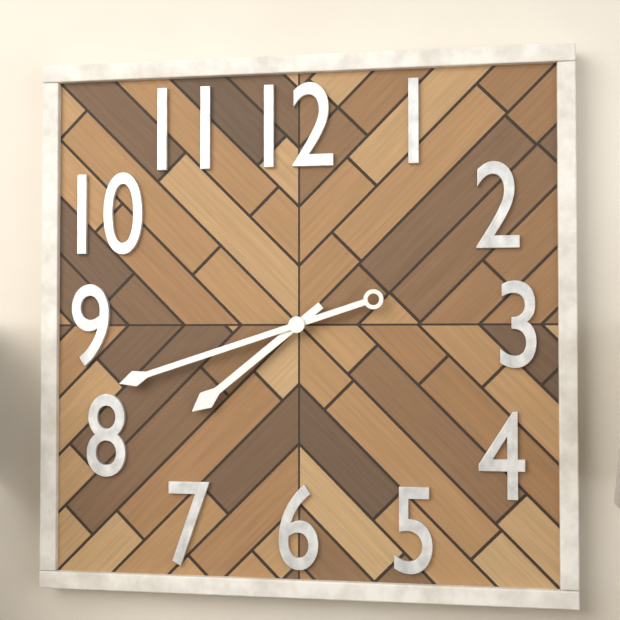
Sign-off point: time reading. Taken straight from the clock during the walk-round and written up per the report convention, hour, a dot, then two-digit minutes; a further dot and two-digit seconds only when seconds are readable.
7.42
